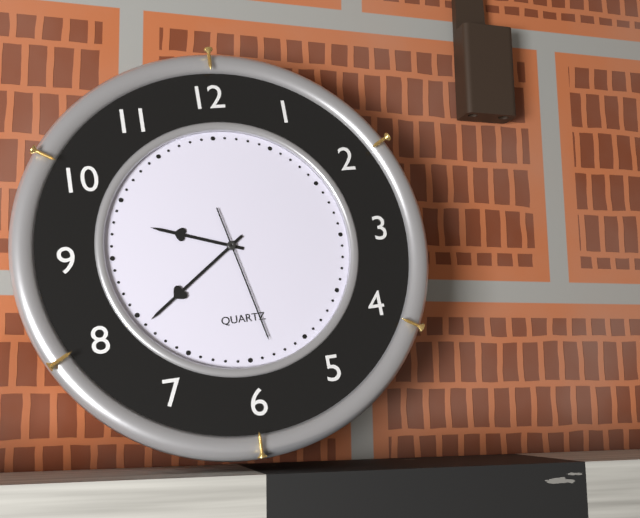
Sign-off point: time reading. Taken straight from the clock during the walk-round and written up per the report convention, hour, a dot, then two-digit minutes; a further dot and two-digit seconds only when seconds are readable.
9.39.28
